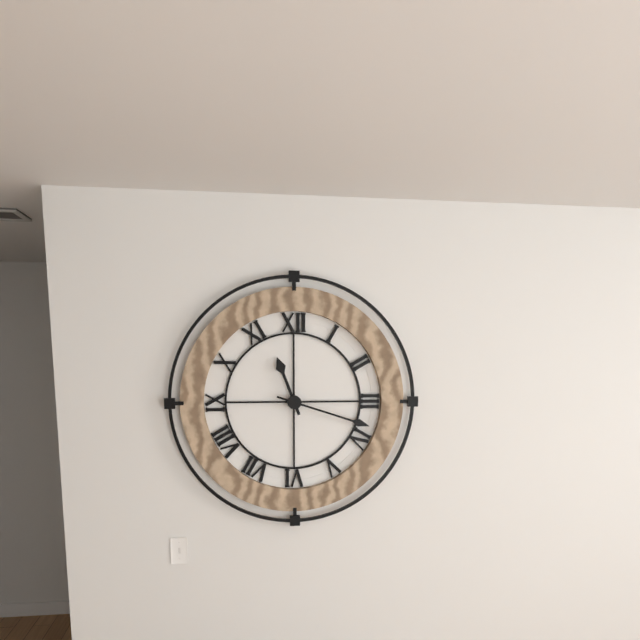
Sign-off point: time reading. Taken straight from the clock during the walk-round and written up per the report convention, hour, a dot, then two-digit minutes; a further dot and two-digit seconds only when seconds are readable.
11.18
